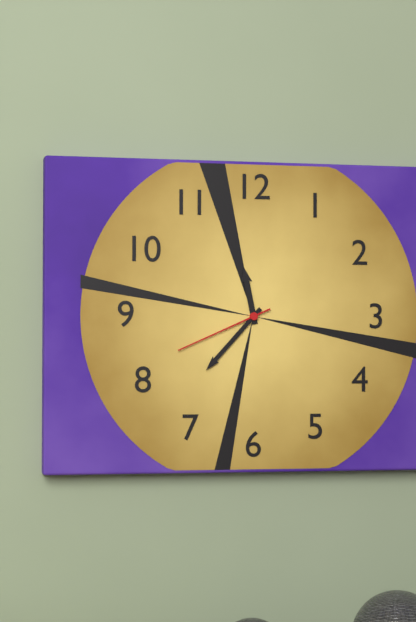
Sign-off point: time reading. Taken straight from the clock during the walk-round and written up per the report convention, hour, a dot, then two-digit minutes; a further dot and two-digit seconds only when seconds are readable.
11.37.41
